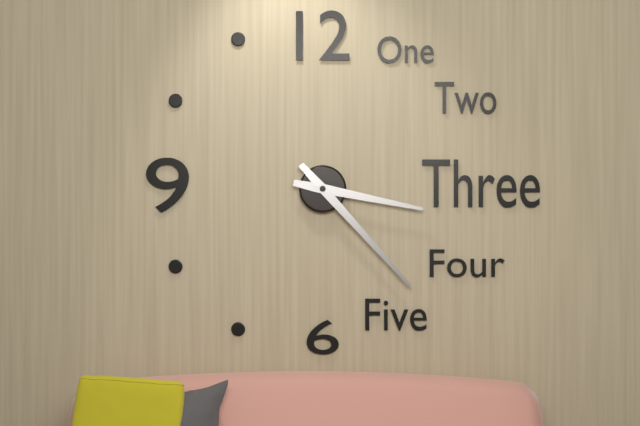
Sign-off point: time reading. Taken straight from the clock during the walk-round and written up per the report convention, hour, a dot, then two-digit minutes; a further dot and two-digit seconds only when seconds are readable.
3.23
